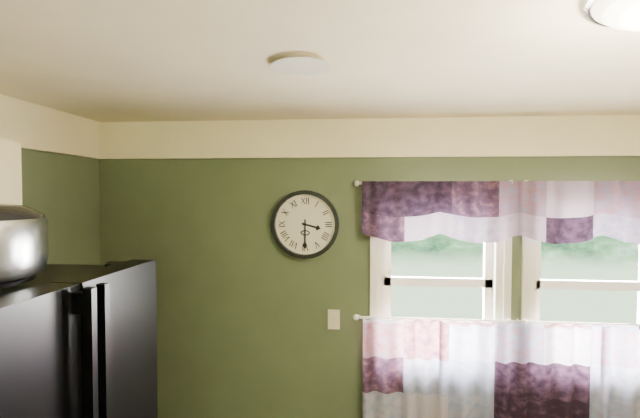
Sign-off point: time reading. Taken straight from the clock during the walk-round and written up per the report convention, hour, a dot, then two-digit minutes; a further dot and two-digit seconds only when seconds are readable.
3.30
